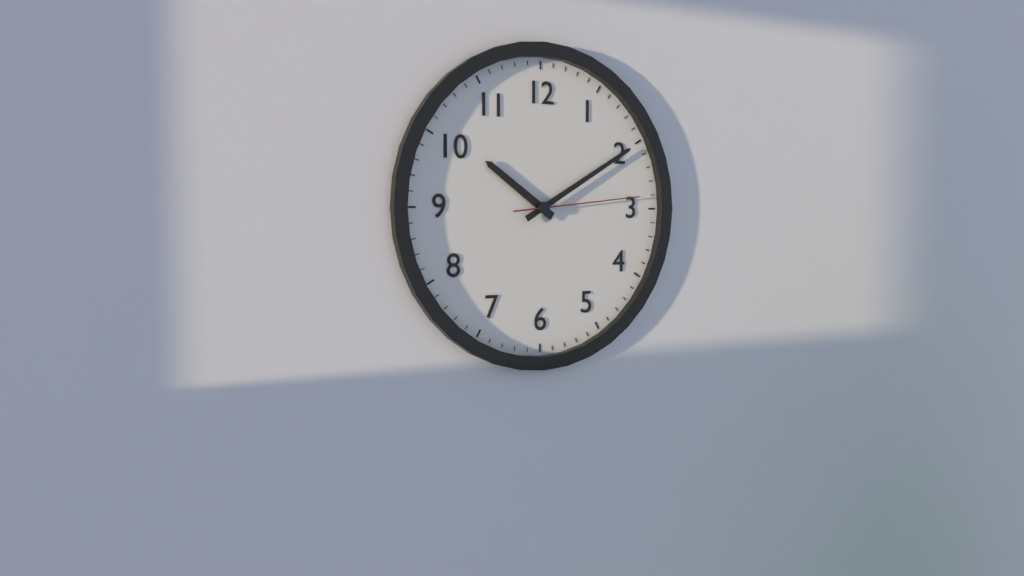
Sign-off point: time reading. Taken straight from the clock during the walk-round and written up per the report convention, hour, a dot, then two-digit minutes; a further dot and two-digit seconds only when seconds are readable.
10.10.14
